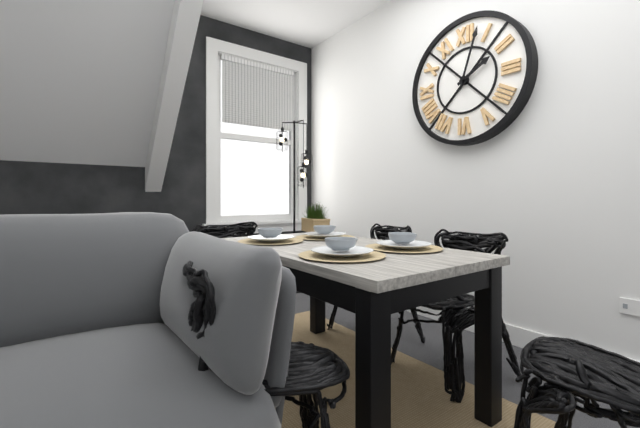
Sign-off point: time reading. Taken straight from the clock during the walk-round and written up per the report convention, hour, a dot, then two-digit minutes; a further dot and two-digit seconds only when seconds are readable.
2.03
